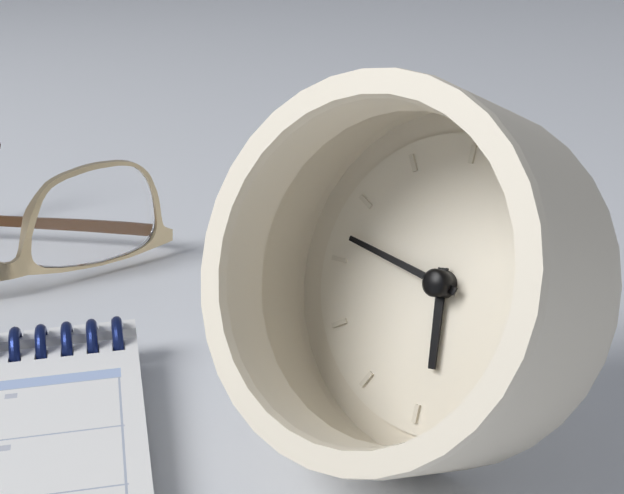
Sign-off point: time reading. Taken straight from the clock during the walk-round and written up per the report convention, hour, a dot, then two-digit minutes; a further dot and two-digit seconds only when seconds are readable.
5.47
